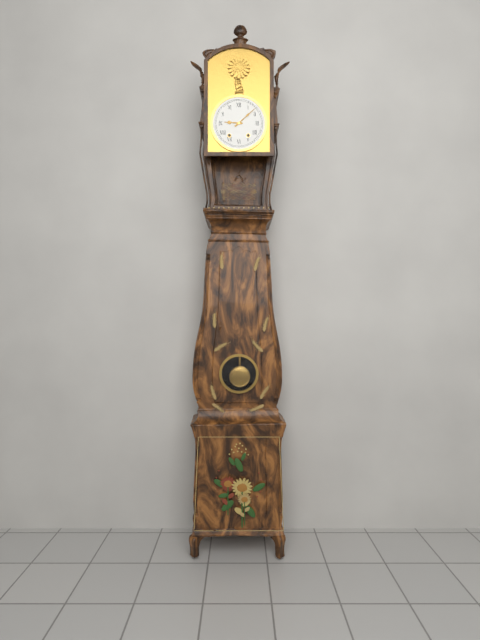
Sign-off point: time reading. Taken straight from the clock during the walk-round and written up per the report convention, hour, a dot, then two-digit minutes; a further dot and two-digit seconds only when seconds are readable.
9.08
